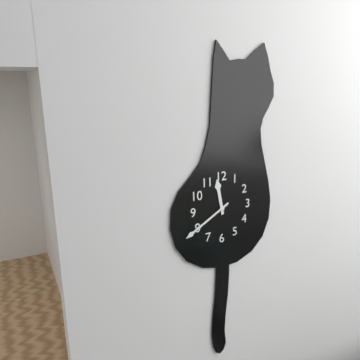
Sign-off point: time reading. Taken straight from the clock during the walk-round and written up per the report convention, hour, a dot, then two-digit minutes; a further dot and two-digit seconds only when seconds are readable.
11.40
